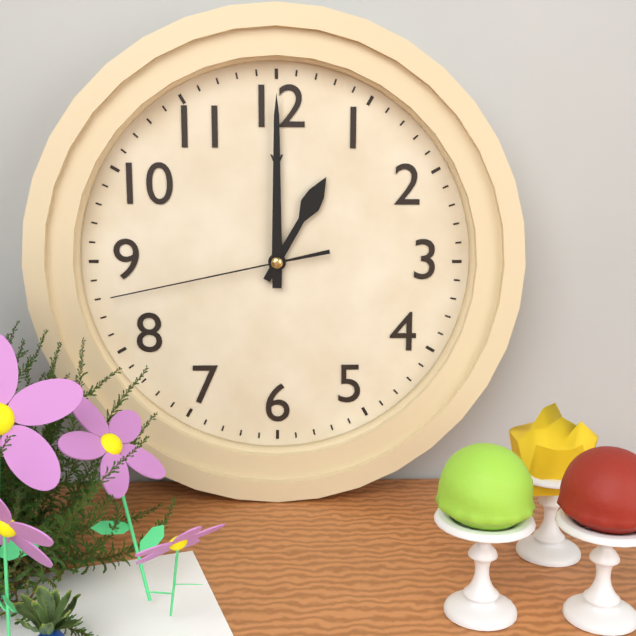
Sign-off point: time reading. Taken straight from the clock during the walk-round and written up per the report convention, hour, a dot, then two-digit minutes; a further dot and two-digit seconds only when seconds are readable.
1.00.43
